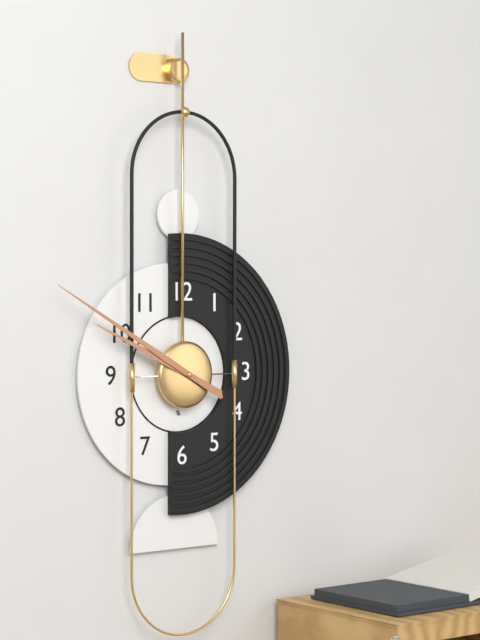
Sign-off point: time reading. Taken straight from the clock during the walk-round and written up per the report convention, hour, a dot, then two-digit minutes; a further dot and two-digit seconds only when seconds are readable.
9.50
